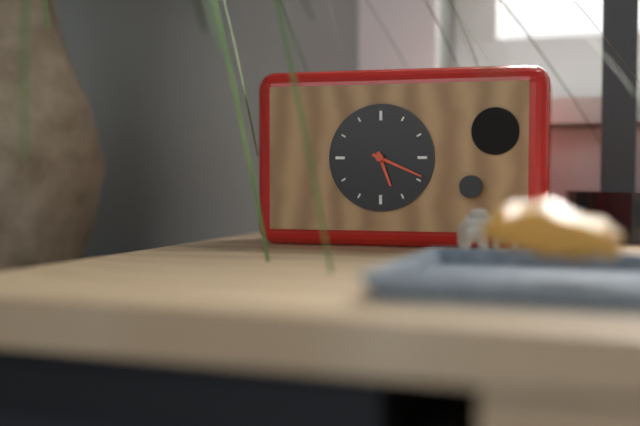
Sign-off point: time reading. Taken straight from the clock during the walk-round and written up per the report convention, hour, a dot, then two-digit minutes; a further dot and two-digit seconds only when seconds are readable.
5.19
